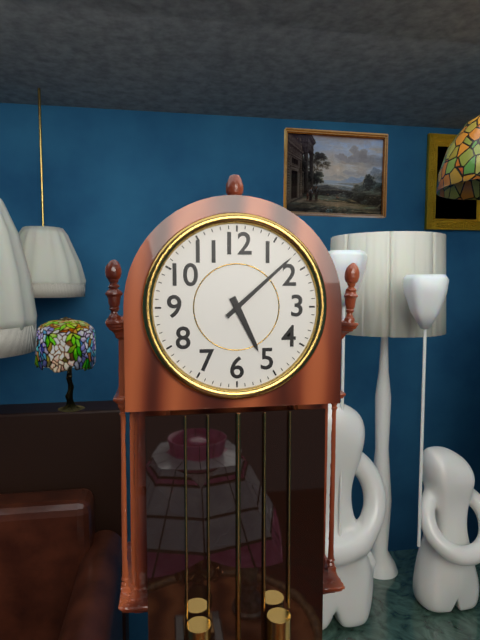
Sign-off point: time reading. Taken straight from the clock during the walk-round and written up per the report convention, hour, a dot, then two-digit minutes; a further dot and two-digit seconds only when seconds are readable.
5.08
